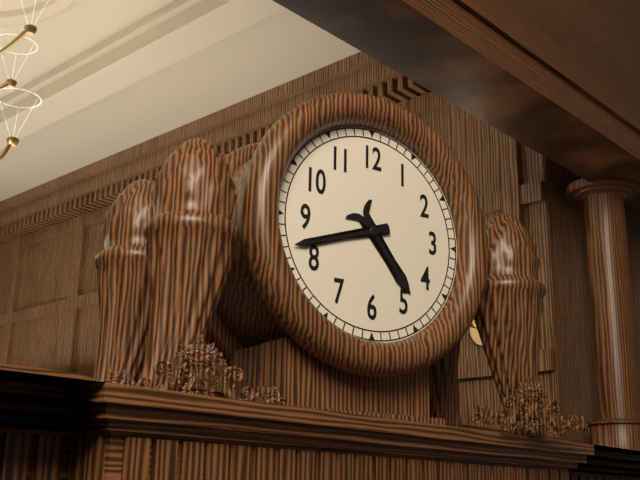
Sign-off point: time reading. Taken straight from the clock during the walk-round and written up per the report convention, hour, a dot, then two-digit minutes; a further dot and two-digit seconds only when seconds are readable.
4.42
